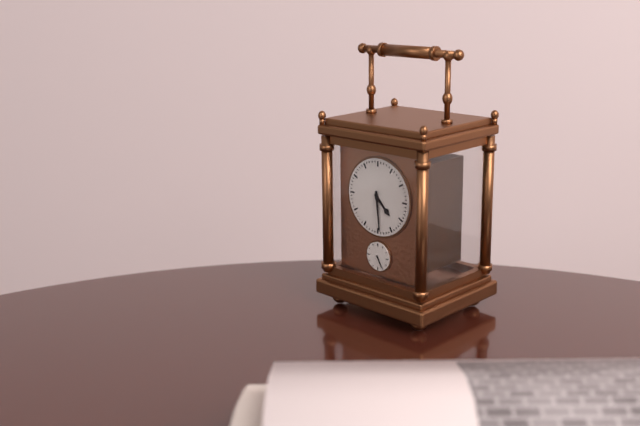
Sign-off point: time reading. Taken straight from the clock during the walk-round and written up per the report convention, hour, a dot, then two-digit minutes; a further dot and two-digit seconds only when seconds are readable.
4.29
